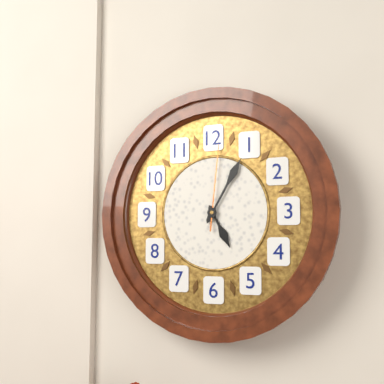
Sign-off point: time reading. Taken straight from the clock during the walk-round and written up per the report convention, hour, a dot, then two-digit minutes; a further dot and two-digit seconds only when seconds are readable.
5.05.01
